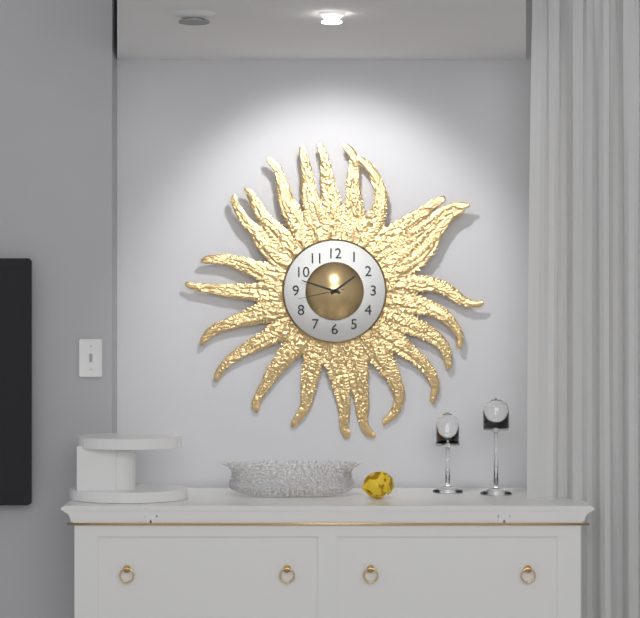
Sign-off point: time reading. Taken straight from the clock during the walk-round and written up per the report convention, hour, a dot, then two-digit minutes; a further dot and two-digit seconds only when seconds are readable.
1.48
